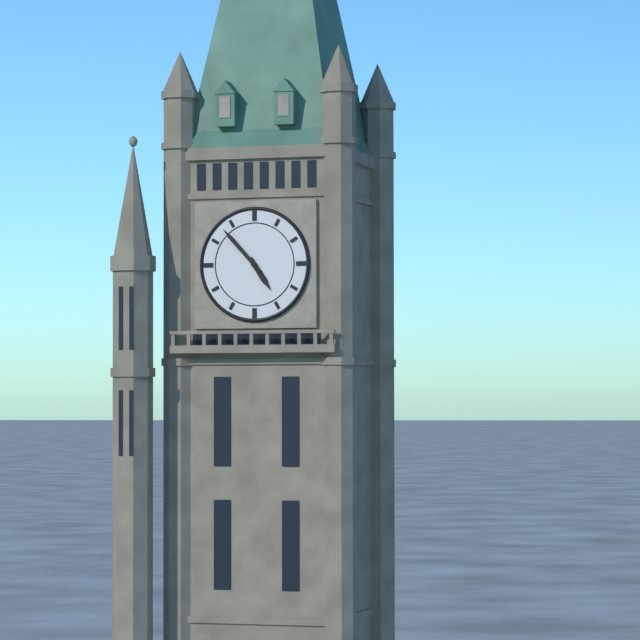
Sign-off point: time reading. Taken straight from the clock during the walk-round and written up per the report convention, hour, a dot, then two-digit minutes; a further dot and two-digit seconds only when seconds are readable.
4.53
